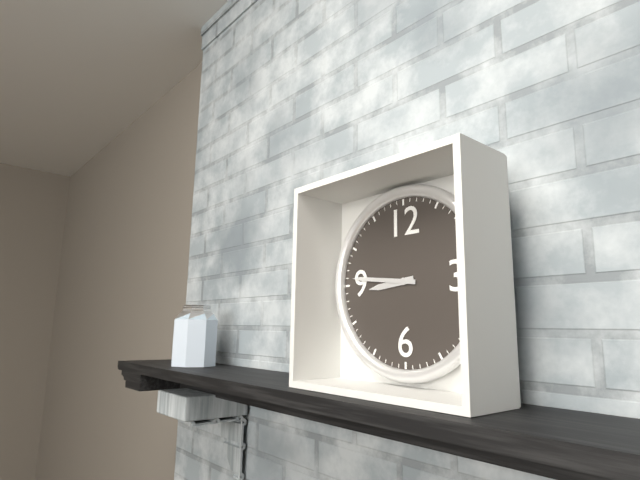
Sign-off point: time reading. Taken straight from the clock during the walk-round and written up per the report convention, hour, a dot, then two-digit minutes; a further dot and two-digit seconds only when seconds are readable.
8.46
